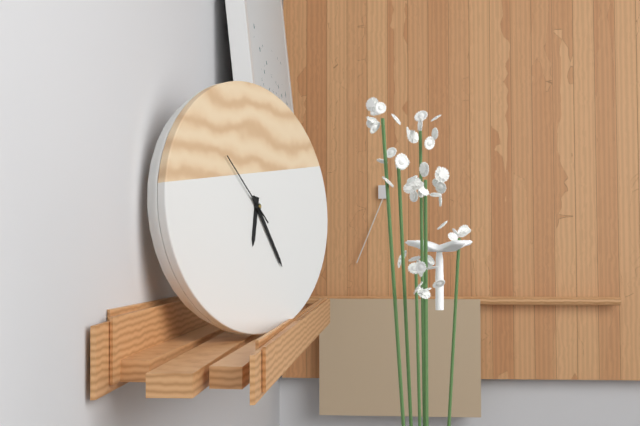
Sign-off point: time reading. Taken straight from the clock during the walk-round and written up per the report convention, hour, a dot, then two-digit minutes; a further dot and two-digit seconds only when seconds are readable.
6.25.53
